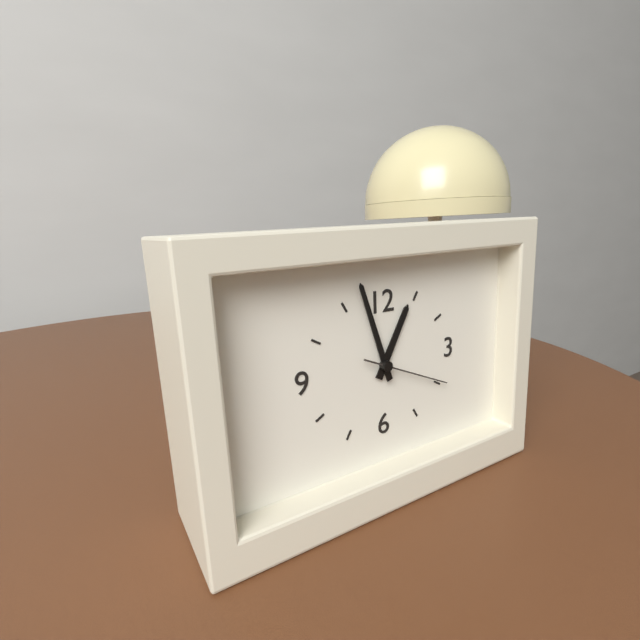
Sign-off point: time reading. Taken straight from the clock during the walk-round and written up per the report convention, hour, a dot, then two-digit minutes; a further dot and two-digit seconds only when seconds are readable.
12.57.19
